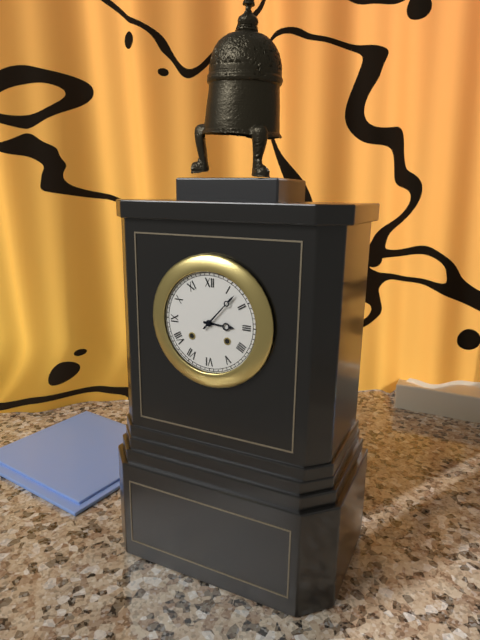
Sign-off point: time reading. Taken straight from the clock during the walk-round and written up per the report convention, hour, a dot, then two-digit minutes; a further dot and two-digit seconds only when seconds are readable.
3.07
